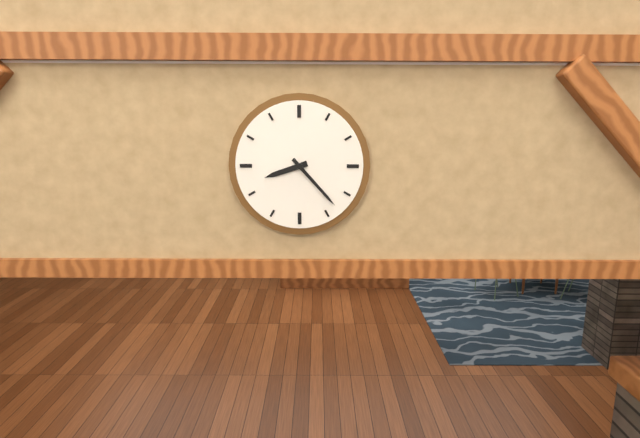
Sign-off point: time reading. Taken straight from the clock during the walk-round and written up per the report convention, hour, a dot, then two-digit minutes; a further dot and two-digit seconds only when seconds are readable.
8.23
